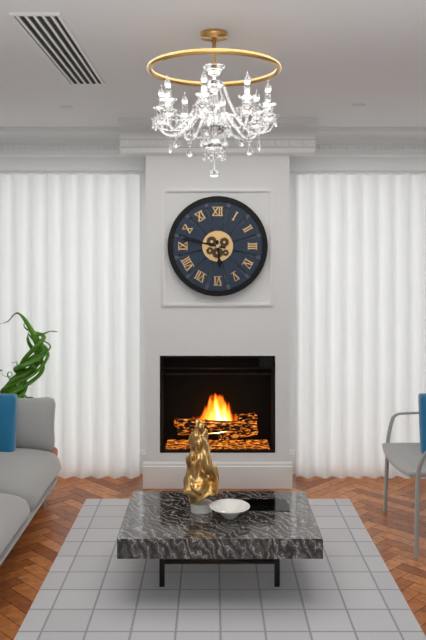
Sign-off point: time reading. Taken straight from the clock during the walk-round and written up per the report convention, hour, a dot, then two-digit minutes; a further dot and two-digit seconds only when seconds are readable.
5.47
